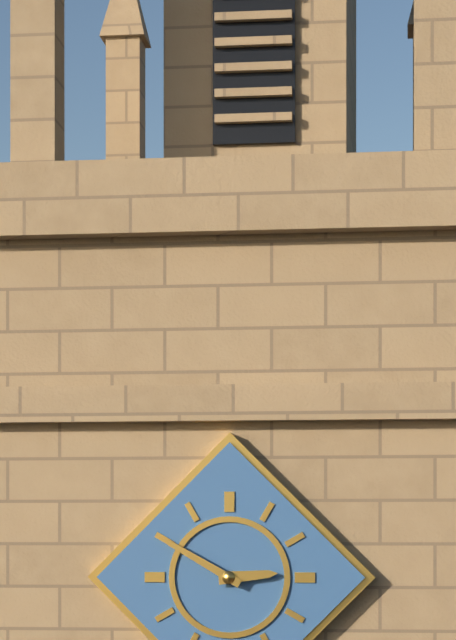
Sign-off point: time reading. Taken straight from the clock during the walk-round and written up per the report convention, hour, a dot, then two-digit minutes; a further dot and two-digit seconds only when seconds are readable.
2.50
